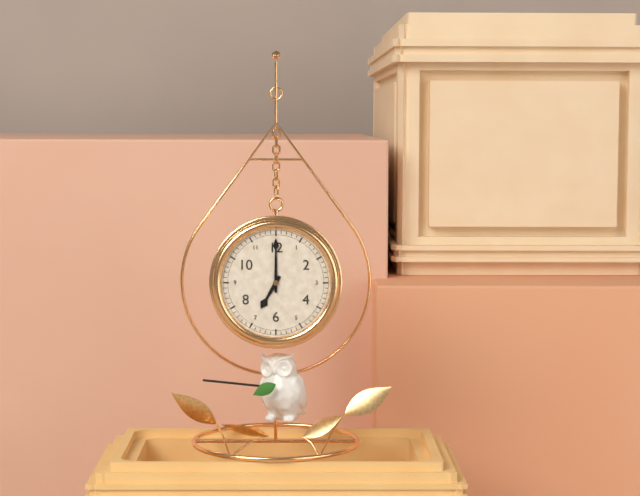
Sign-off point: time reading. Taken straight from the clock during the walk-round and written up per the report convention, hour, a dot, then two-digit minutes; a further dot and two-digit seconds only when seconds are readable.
7.00
